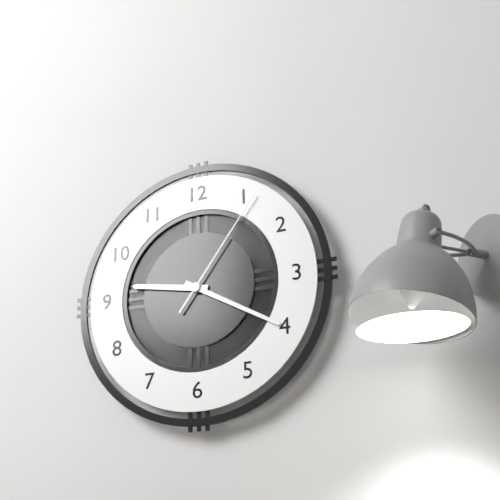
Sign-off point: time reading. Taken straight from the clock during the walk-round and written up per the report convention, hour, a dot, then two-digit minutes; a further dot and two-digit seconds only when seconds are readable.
9.20.06
